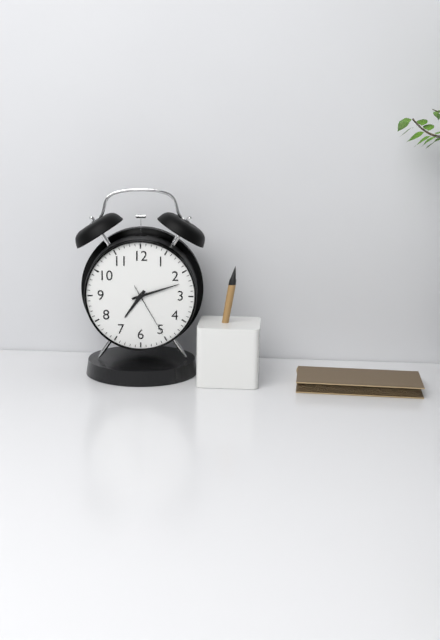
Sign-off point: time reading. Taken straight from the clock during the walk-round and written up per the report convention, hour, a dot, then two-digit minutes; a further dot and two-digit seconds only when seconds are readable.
7.12.25
